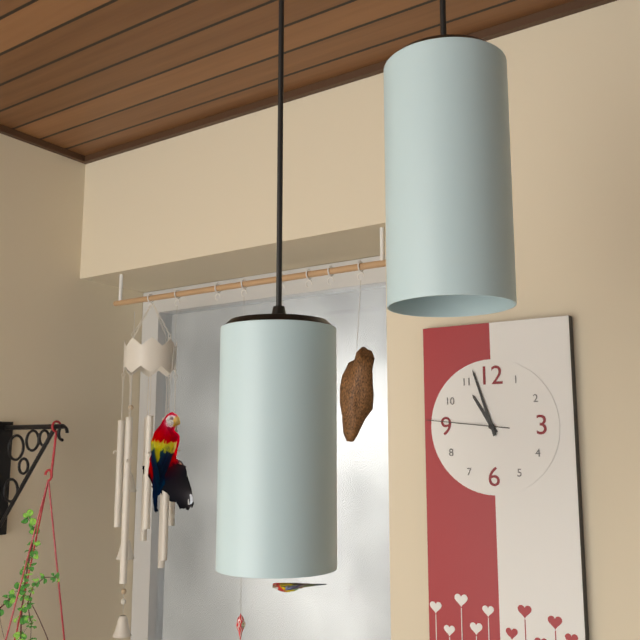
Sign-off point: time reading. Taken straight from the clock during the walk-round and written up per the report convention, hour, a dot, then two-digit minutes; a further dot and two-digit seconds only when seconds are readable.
10.57.46
